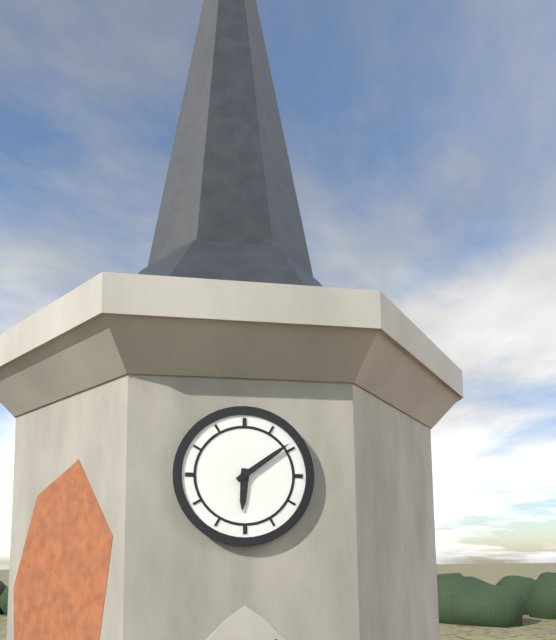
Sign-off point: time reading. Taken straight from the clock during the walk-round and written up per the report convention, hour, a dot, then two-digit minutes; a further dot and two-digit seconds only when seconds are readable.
6.09
